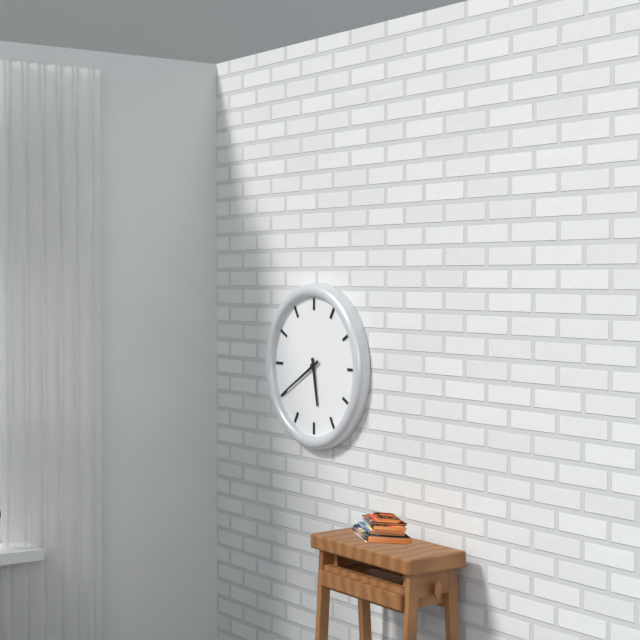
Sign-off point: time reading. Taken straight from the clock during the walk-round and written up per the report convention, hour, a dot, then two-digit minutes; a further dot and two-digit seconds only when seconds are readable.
5.40
